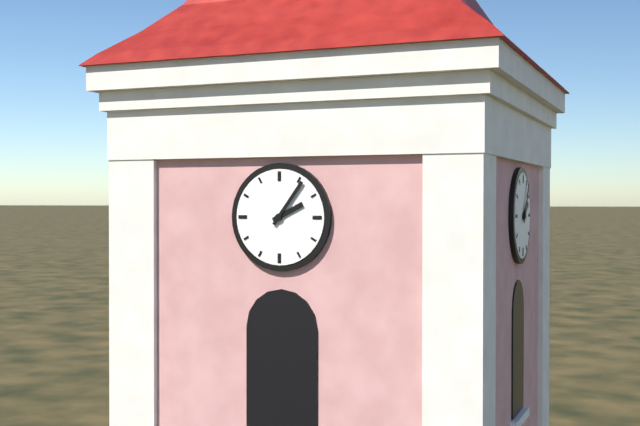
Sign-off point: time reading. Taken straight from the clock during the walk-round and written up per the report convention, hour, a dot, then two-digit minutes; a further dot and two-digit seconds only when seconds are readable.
2.06
